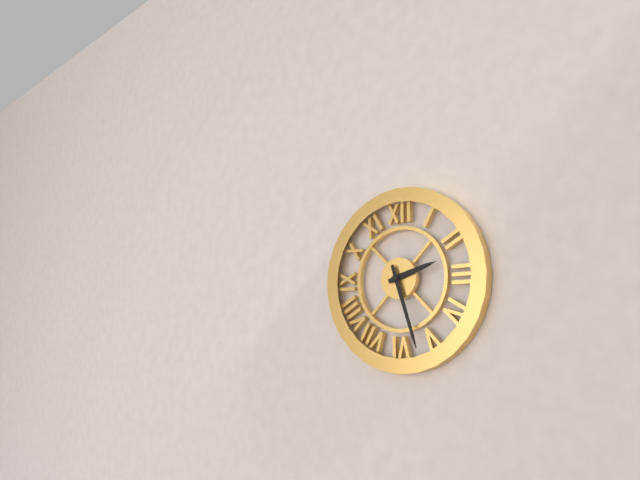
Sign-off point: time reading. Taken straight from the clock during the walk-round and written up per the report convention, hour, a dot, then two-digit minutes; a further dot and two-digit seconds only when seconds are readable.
2.27
